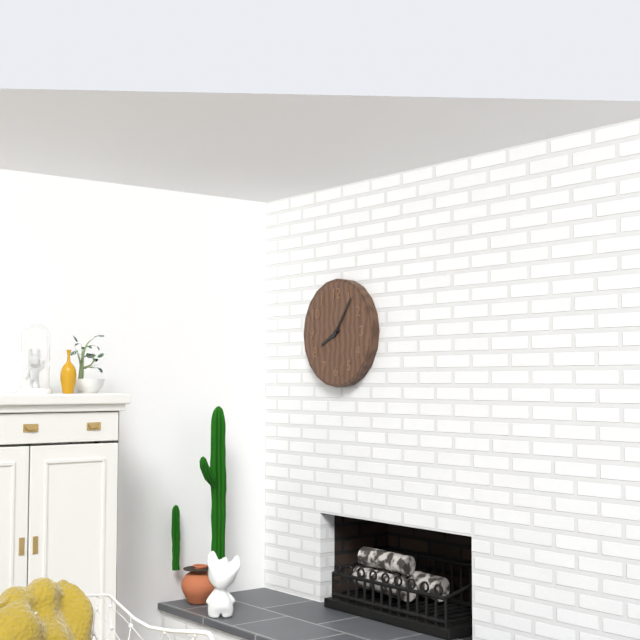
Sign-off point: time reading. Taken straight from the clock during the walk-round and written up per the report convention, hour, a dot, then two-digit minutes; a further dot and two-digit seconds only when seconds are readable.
8.06
